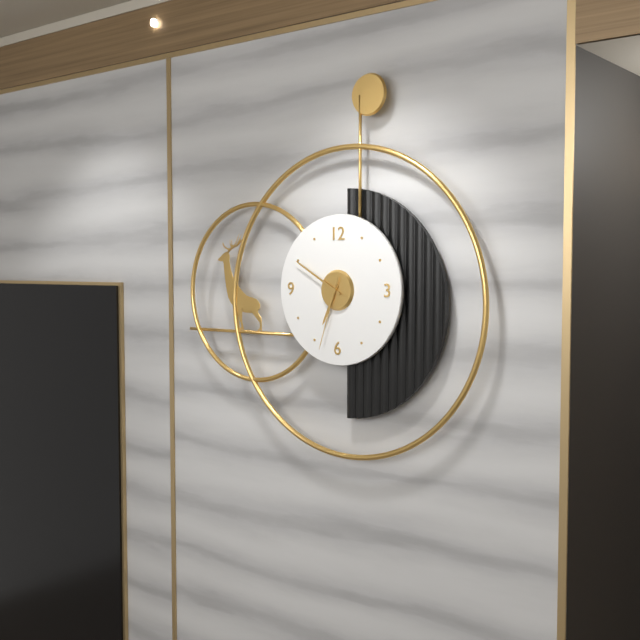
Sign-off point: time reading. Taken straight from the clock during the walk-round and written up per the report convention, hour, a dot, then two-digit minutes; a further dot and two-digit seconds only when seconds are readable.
6.50.33
